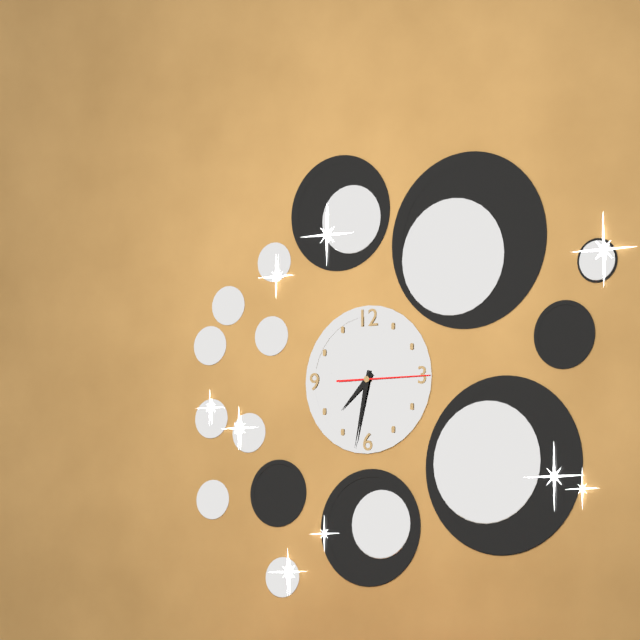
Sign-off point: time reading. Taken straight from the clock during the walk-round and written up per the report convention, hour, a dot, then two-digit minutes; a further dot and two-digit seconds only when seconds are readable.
7.32.15
